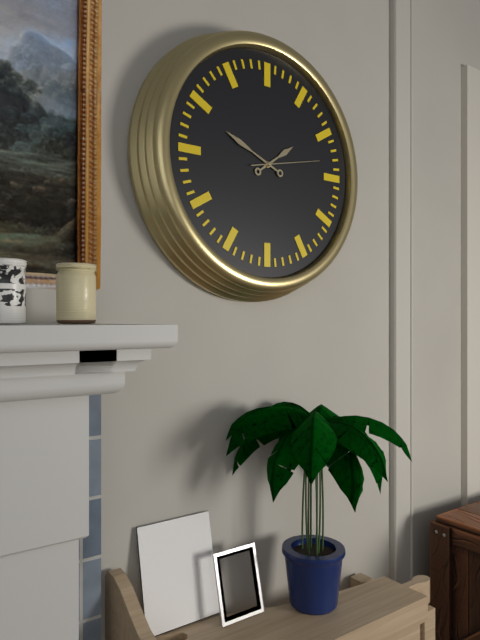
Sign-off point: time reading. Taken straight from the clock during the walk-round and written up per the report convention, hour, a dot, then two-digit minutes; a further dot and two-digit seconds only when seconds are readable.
1.49.13
